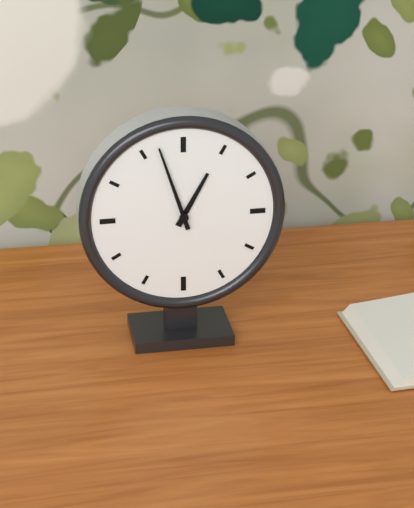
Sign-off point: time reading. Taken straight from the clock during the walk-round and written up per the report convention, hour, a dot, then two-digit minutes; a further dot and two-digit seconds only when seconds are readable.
12.57
